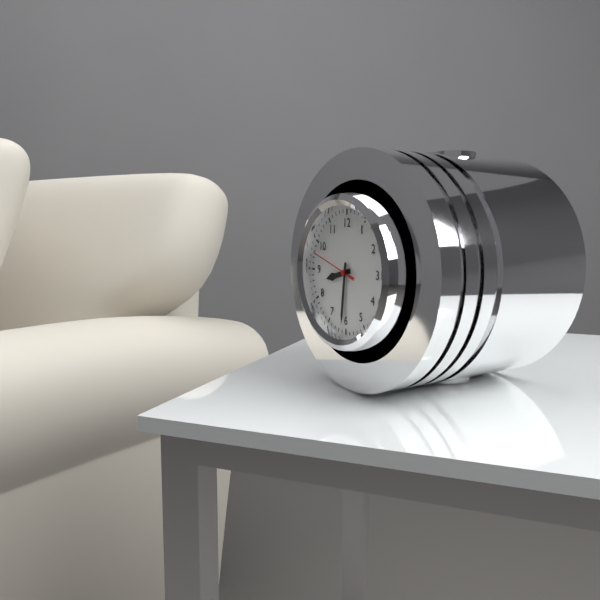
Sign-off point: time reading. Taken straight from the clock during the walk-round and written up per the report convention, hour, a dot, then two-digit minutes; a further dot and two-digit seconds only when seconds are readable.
8.31
